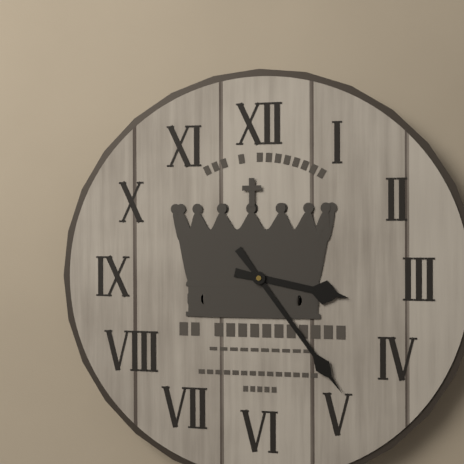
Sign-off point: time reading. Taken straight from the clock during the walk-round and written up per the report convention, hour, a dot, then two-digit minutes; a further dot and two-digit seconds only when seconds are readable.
3.24
